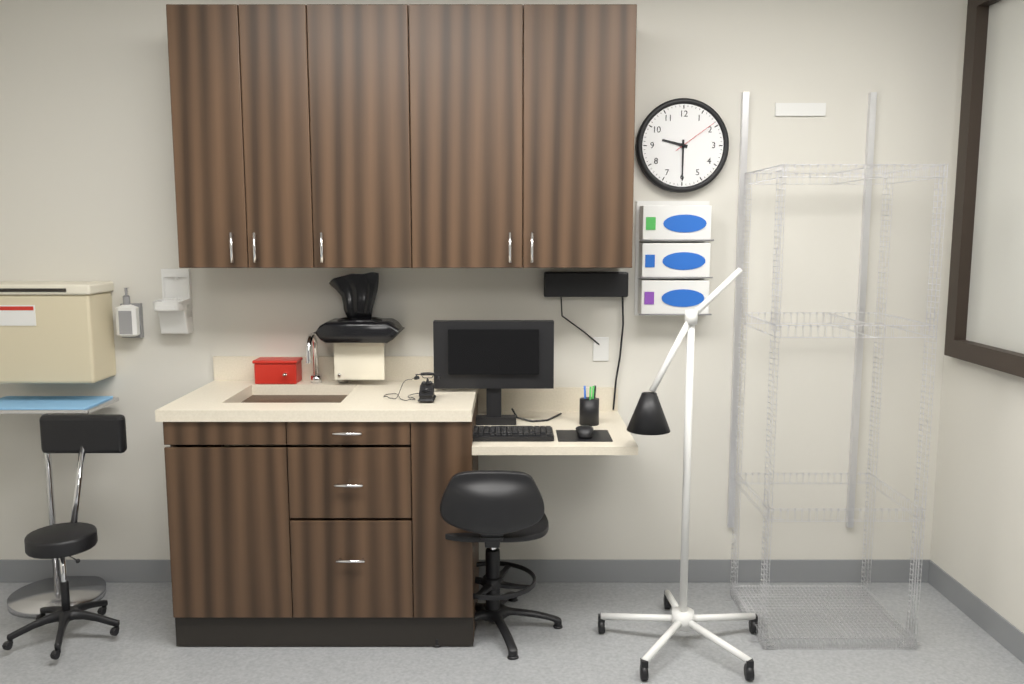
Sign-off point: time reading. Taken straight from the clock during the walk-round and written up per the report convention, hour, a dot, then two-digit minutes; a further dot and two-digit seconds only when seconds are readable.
9.30
